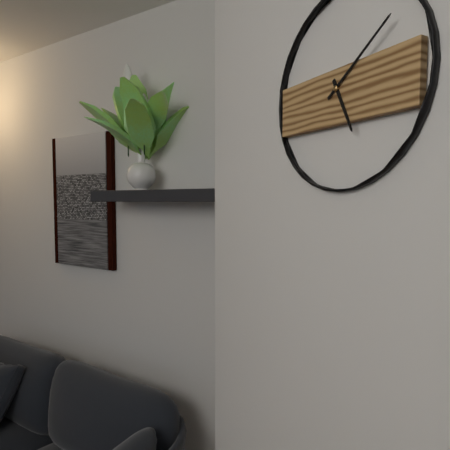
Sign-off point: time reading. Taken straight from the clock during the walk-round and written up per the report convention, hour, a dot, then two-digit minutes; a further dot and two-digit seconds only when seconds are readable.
5.09
